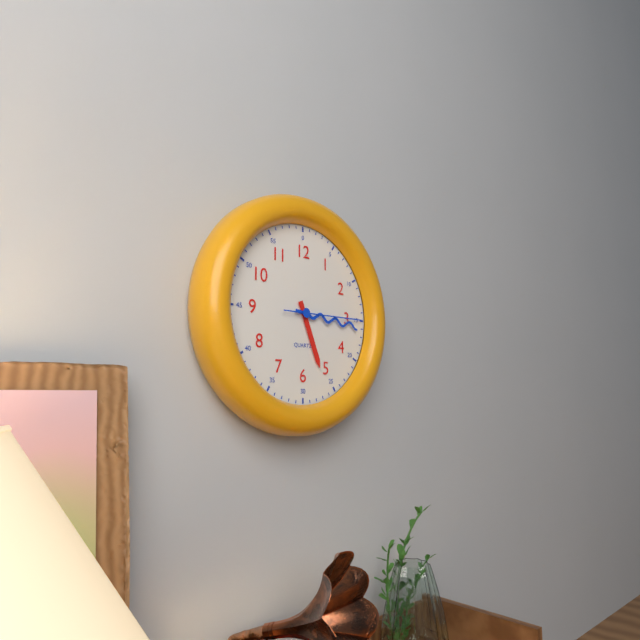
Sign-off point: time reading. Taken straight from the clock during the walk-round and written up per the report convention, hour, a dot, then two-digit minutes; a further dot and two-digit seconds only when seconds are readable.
5.16.15
